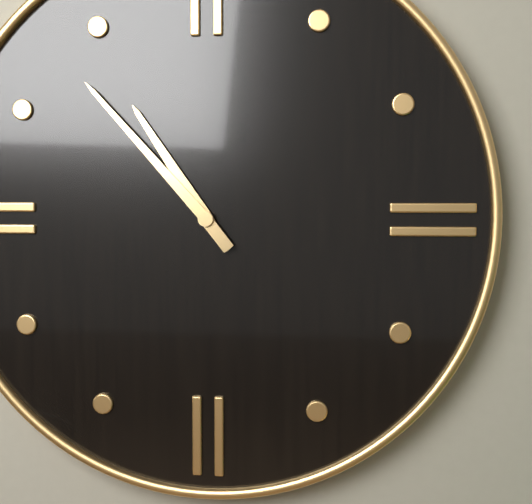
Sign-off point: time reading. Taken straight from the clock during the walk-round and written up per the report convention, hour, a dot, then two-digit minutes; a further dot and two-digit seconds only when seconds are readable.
10.53
